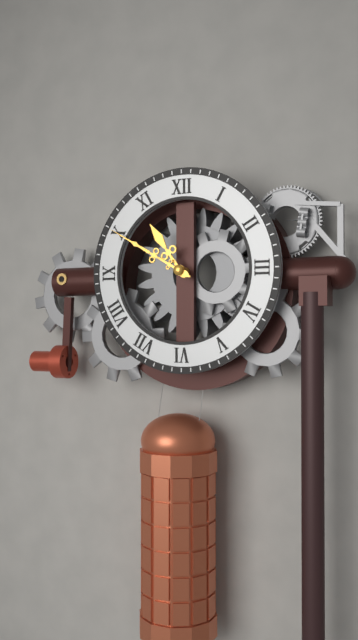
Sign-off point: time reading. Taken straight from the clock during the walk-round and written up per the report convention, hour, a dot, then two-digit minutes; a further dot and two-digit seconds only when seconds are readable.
10.50
